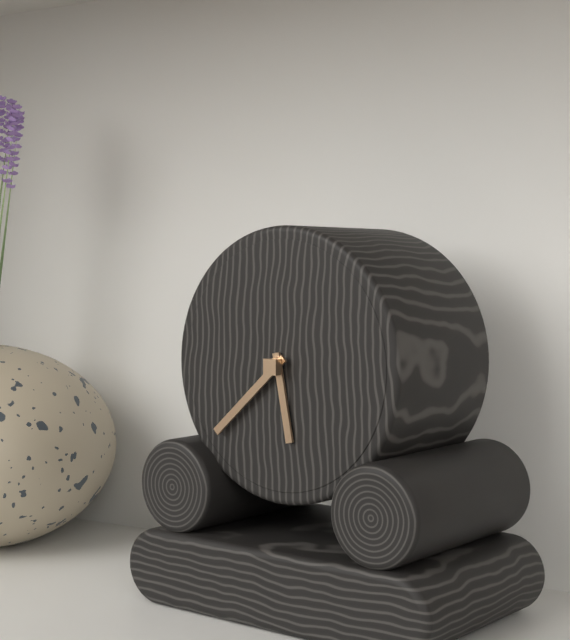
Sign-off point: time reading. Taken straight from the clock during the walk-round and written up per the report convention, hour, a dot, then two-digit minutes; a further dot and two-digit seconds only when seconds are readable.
5.38
